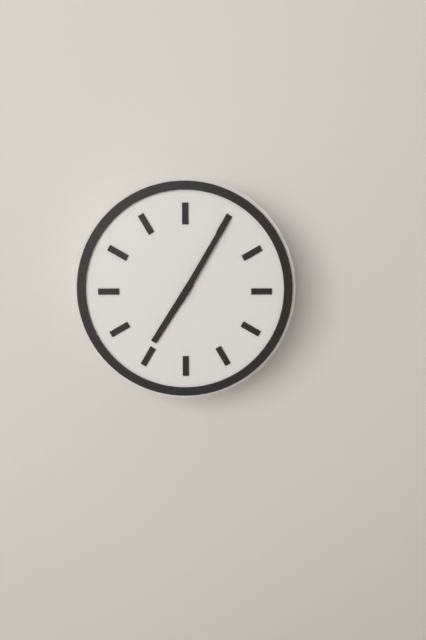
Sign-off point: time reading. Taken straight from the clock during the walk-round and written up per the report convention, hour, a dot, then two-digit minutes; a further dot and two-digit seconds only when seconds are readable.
7.05
